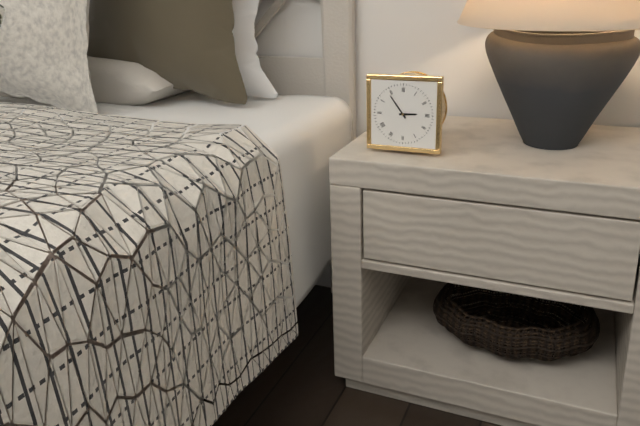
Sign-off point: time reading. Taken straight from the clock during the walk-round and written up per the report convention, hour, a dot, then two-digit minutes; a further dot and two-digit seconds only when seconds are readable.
2.54
